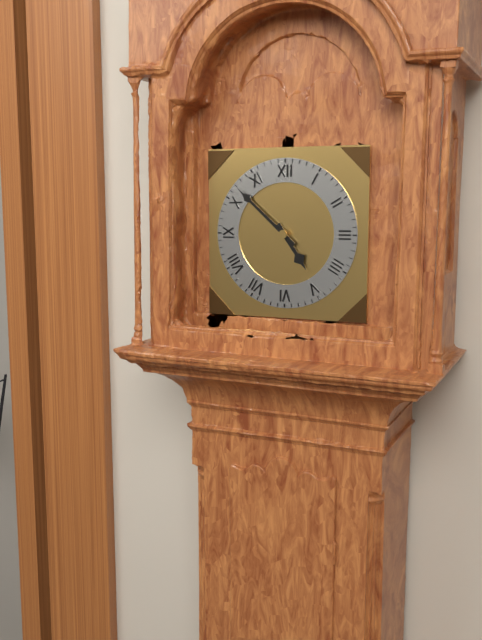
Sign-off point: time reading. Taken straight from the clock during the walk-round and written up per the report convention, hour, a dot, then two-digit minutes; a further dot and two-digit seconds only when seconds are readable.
4.52
